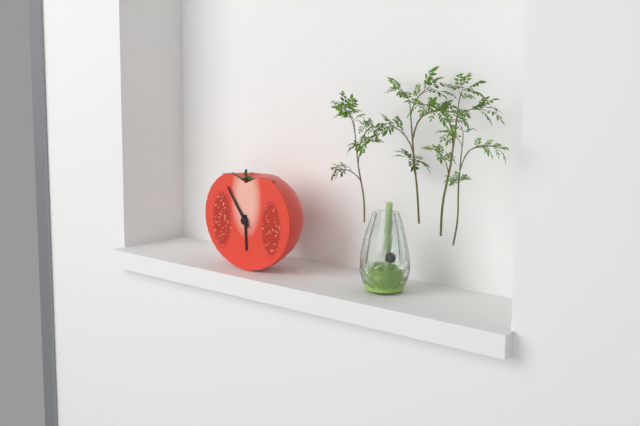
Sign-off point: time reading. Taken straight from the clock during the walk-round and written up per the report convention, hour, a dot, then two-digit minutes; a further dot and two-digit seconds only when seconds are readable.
5.54
